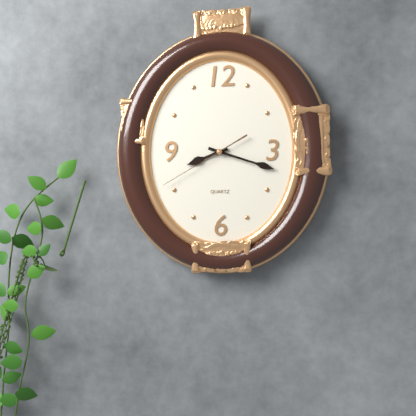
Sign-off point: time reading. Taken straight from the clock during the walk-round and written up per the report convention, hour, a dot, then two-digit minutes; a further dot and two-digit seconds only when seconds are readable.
8.18.40
